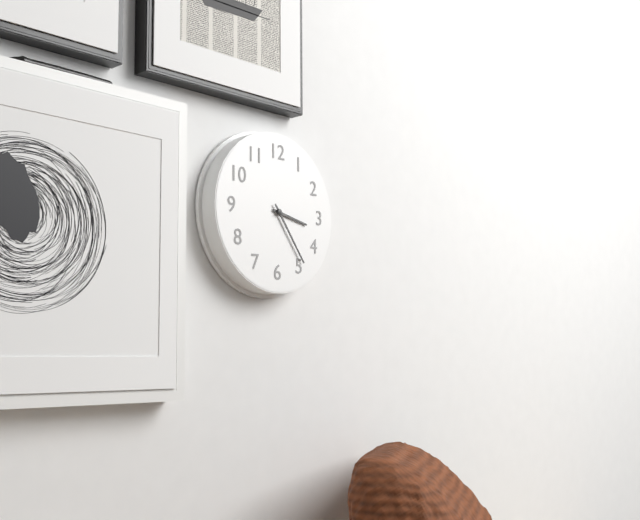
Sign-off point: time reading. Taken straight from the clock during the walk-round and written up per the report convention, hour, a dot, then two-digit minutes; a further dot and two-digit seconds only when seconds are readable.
3.24
